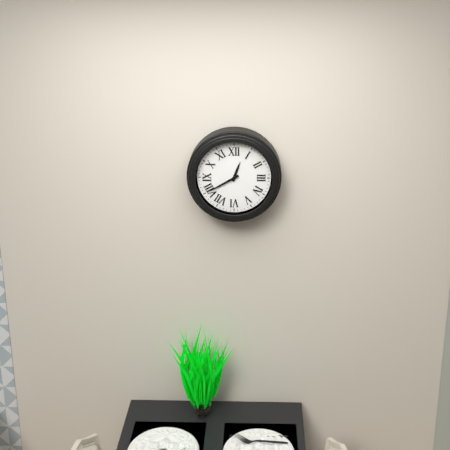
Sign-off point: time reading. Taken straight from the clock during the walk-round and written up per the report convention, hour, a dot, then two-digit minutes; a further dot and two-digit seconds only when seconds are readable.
12.40
